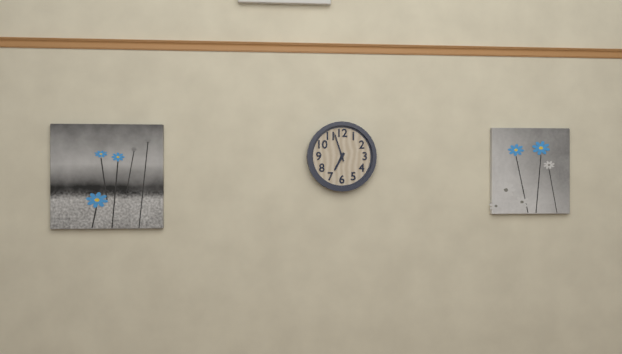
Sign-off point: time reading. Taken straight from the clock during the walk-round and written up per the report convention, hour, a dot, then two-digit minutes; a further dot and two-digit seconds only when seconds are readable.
6.57
